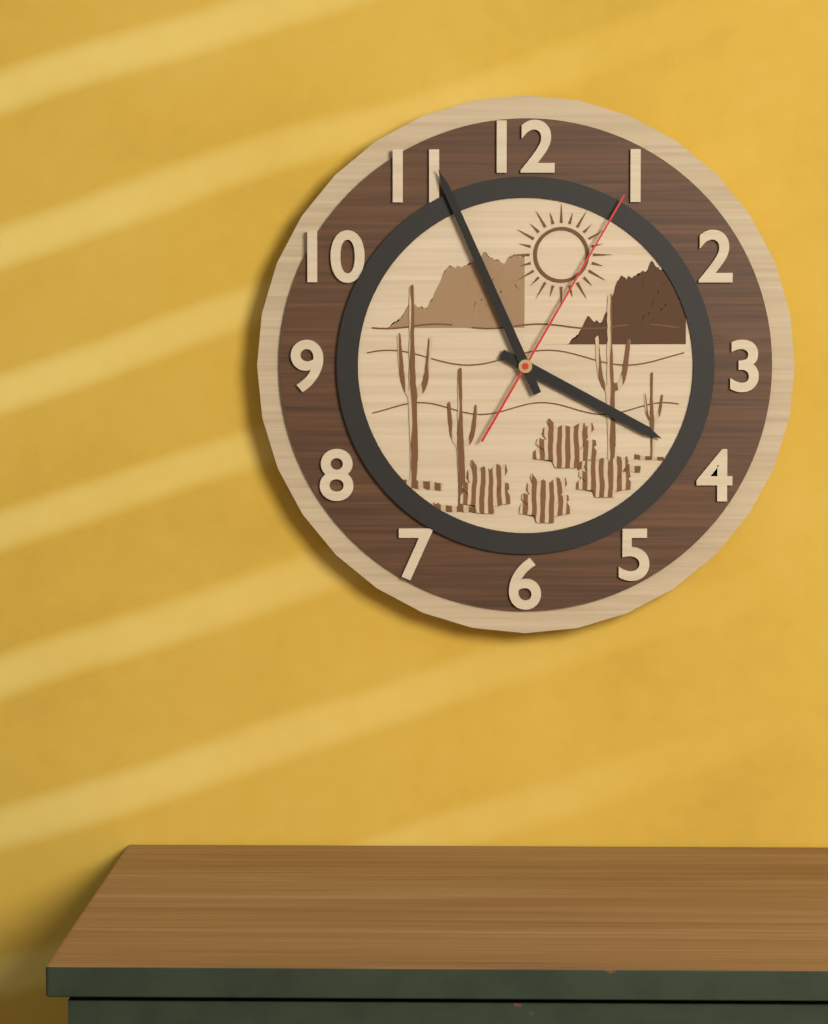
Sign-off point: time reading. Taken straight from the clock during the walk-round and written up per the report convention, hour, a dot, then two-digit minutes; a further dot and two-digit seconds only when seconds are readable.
3.56.05
